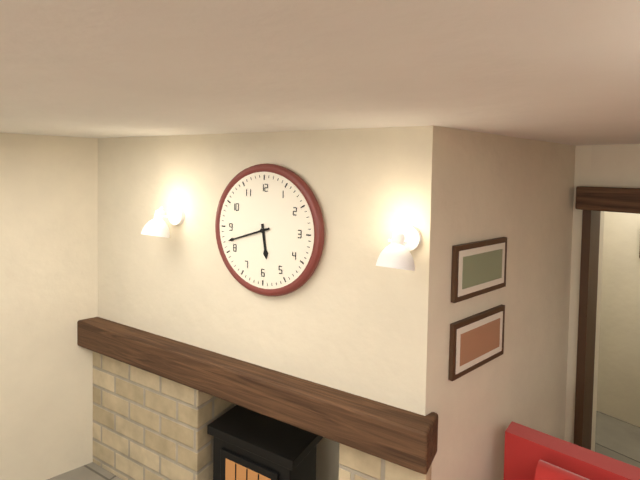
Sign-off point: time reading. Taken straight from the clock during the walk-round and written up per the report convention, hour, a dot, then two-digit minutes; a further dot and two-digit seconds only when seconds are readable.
5.42
